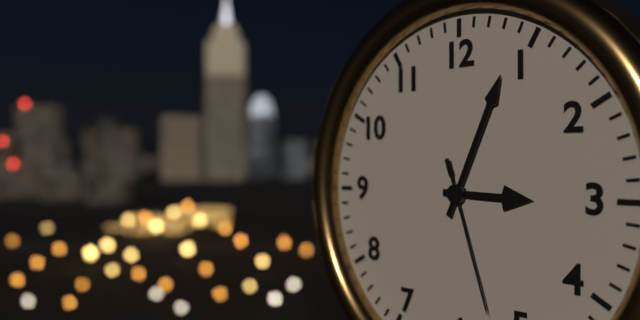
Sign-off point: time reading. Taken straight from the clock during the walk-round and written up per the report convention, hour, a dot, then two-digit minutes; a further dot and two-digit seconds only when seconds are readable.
3.04.27
